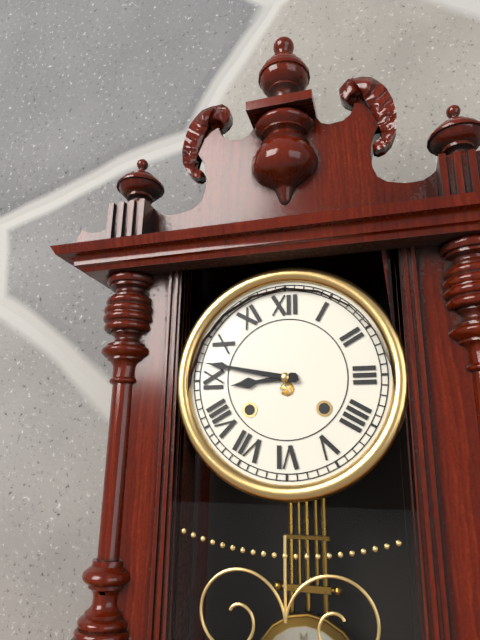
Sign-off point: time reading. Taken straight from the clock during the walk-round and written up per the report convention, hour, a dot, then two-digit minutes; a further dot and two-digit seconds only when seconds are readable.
8.47
